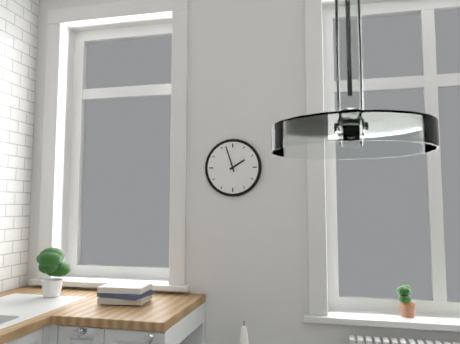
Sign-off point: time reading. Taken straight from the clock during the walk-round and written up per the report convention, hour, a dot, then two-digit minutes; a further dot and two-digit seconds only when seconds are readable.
1.57
